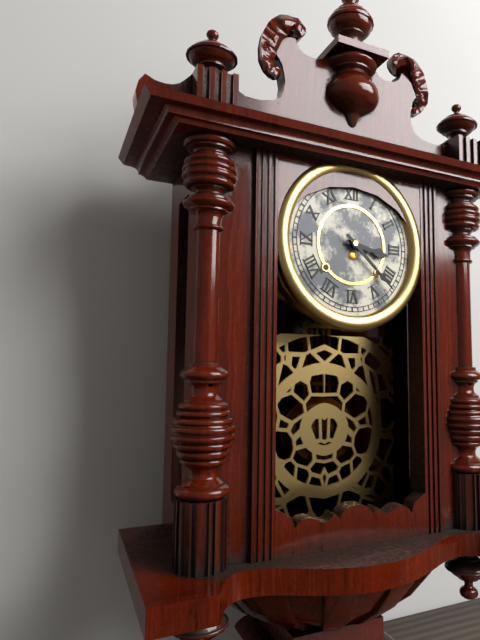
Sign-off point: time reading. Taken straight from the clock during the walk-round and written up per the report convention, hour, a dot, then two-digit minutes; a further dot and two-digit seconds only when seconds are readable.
3.22
